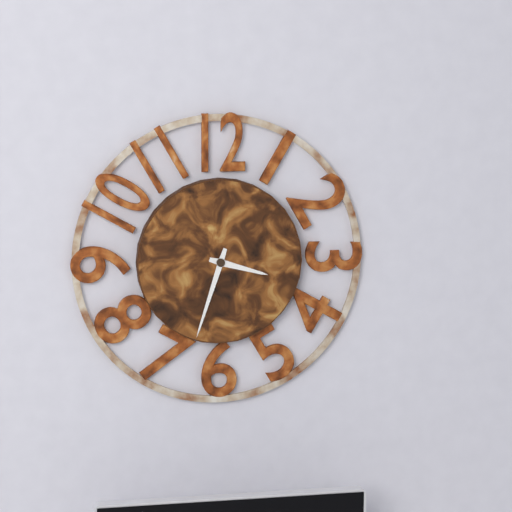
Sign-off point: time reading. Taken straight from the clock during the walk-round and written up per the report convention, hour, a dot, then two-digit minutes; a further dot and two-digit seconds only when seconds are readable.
3.33
